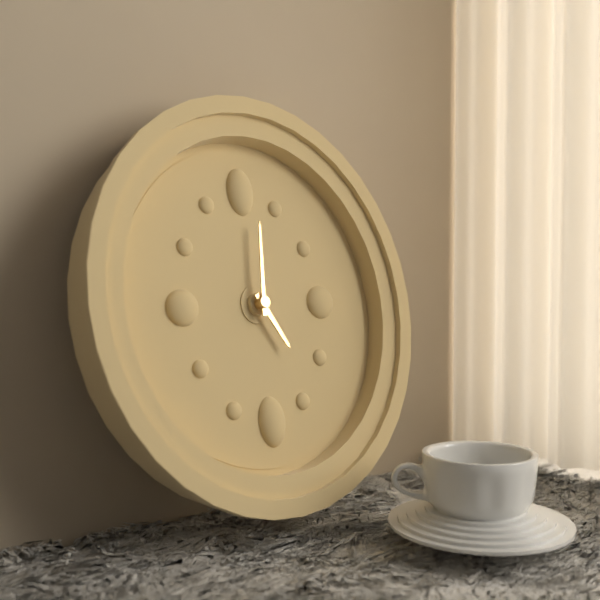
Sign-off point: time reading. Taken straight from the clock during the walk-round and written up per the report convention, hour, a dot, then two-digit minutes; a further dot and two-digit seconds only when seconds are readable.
5.01
